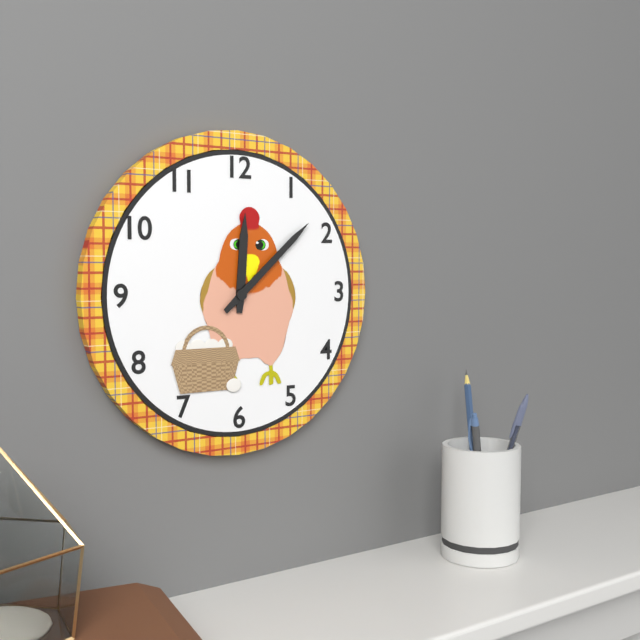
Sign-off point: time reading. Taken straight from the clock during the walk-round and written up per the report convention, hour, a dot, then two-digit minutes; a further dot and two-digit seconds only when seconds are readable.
12.08
